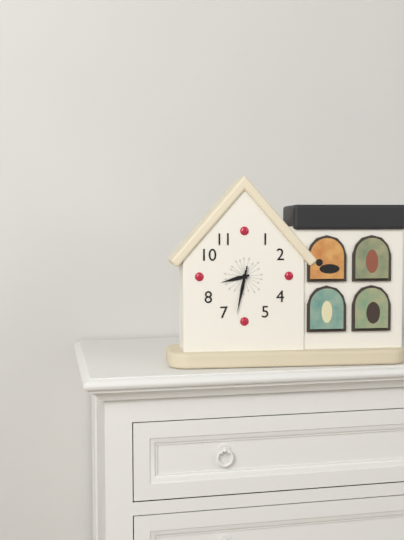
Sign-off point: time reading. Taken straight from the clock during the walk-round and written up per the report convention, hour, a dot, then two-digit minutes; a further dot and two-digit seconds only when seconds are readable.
8.32
